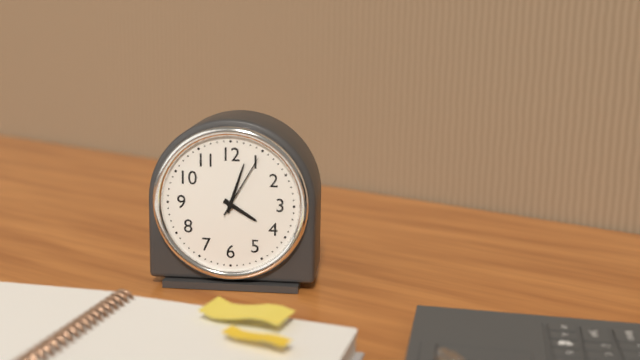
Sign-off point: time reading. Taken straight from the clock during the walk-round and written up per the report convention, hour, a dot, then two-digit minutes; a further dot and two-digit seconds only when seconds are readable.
4.03.05
